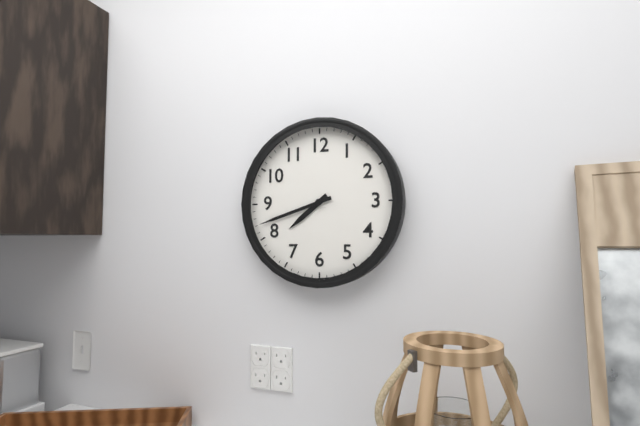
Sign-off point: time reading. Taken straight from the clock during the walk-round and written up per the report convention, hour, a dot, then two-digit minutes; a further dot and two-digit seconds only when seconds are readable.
7.42
